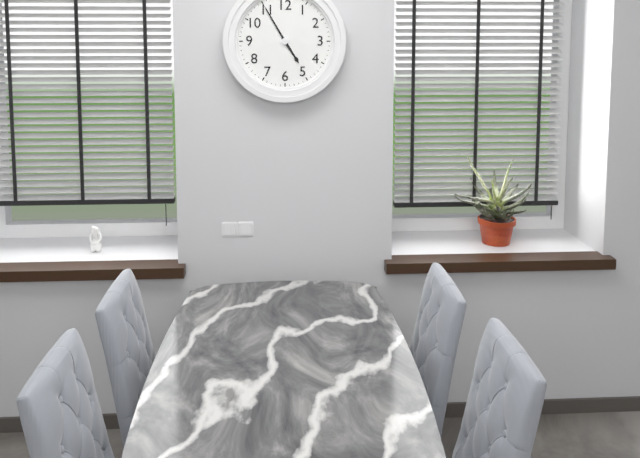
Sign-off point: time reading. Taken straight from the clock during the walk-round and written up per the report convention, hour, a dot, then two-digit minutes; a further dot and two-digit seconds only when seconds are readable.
4.55
